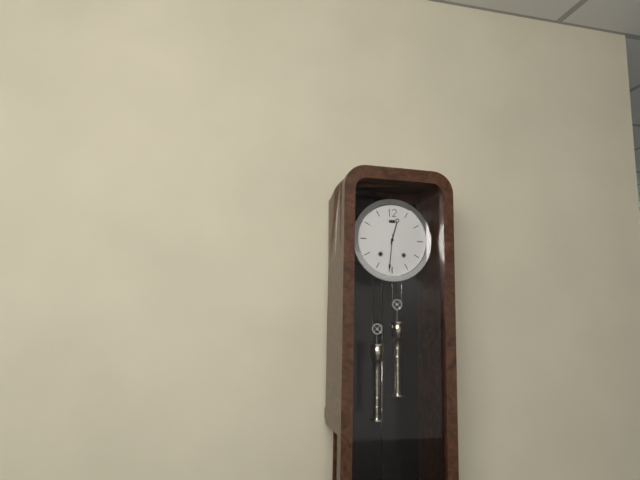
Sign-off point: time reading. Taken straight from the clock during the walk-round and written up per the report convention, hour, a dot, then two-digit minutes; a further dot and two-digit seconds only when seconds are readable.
12.31
